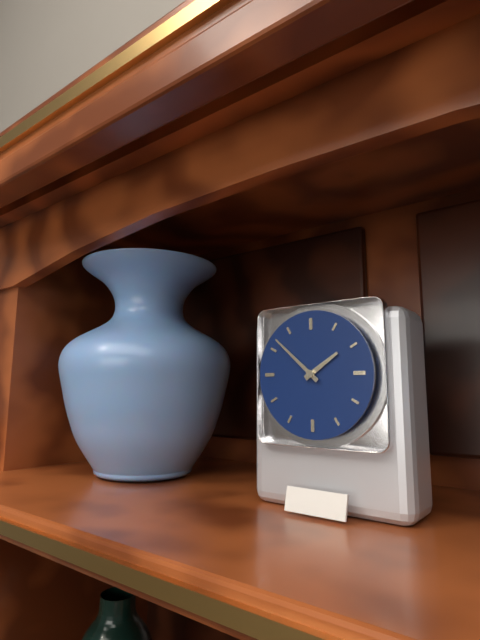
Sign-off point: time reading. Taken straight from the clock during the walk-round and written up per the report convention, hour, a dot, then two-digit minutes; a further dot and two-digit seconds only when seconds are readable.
1.52
